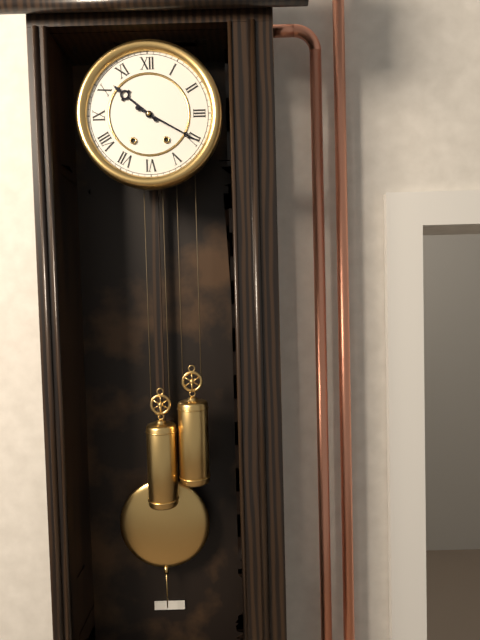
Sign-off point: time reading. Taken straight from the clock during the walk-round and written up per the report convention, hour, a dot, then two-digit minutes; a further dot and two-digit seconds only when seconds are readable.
10.20
